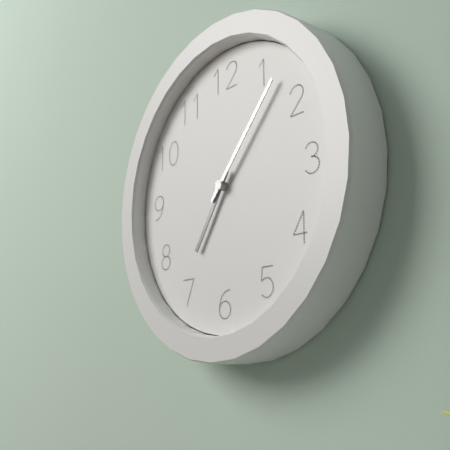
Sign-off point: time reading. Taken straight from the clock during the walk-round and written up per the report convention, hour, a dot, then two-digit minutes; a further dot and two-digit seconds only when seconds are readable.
7.07
